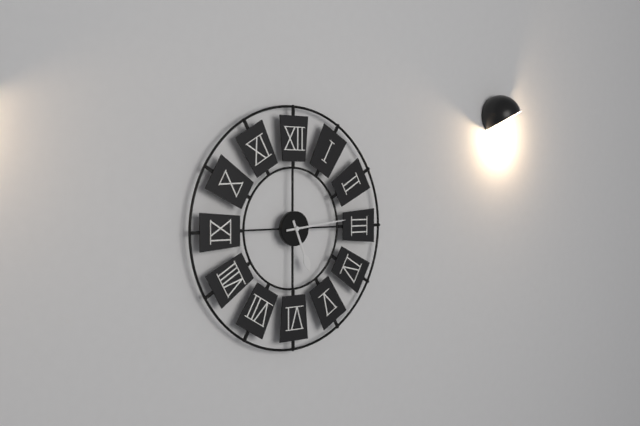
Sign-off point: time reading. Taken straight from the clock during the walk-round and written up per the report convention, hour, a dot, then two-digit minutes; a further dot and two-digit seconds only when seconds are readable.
5.14
